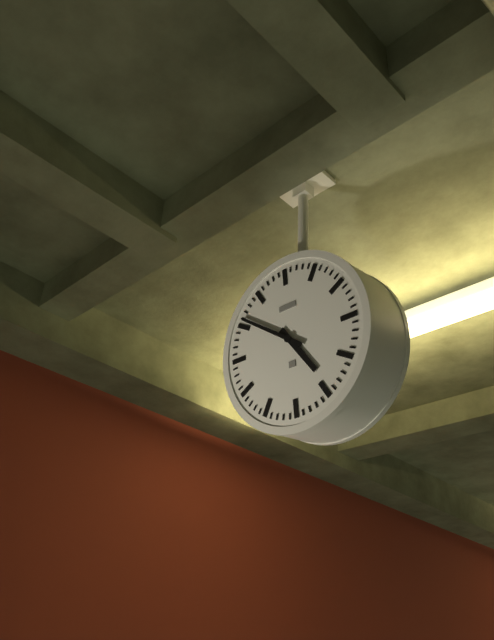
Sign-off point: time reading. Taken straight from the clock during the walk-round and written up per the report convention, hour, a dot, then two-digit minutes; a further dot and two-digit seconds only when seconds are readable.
4.51
